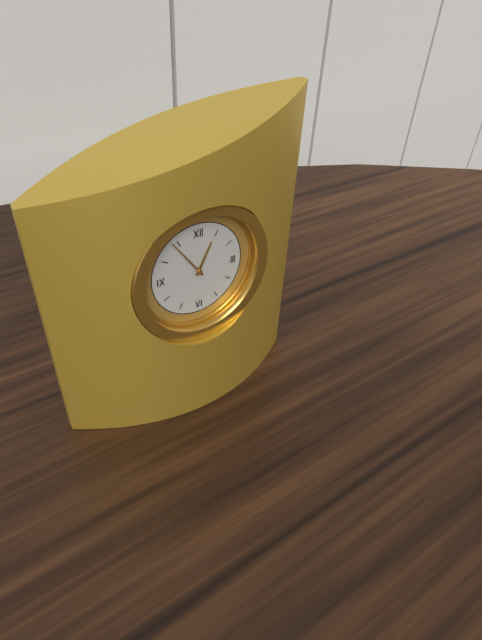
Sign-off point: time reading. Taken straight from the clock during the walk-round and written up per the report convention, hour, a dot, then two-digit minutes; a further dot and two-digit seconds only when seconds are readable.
12.54
